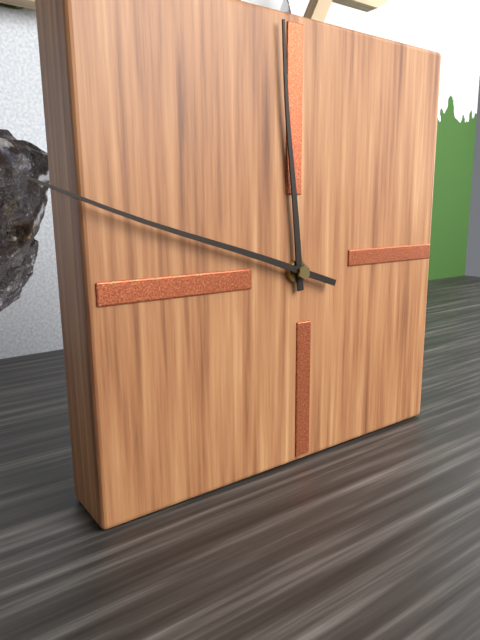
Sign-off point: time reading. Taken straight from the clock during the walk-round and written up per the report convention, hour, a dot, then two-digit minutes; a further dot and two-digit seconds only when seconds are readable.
11.48
